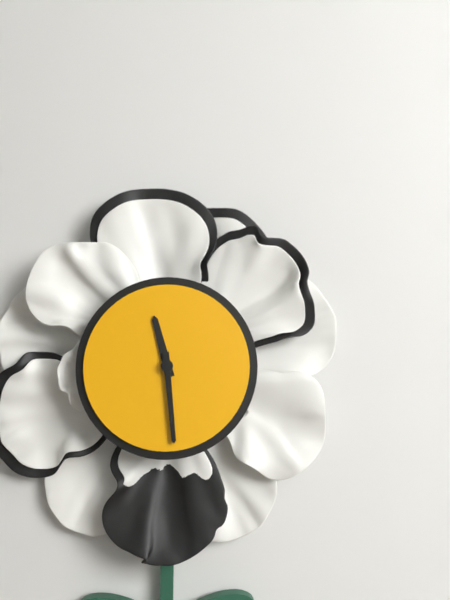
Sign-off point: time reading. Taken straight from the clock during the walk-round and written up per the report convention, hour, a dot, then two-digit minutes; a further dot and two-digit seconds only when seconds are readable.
11.29
